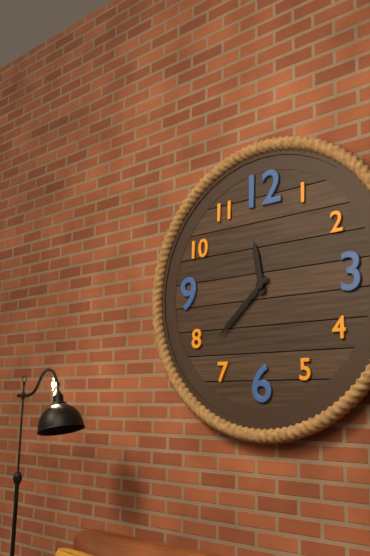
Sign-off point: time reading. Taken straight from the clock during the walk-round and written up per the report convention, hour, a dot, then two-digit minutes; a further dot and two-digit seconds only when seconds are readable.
11.38
